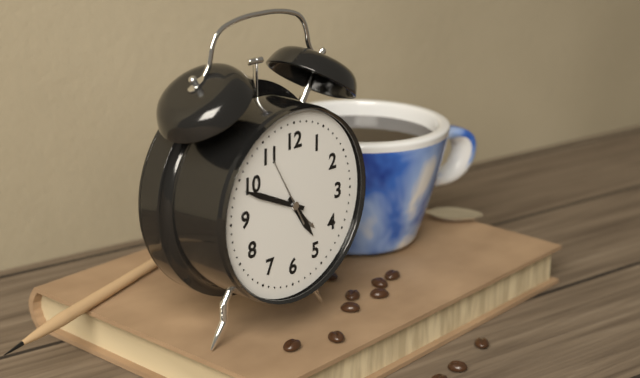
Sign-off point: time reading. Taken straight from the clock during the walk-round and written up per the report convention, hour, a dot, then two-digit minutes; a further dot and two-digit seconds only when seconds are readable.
4.49
